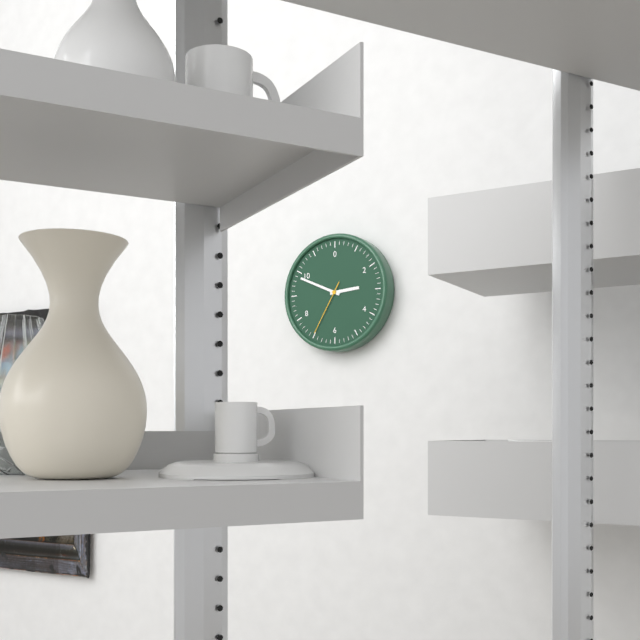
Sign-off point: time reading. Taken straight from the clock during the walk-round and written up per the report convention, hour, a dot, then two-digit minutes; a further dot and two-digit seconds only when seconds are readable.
2.49.35
